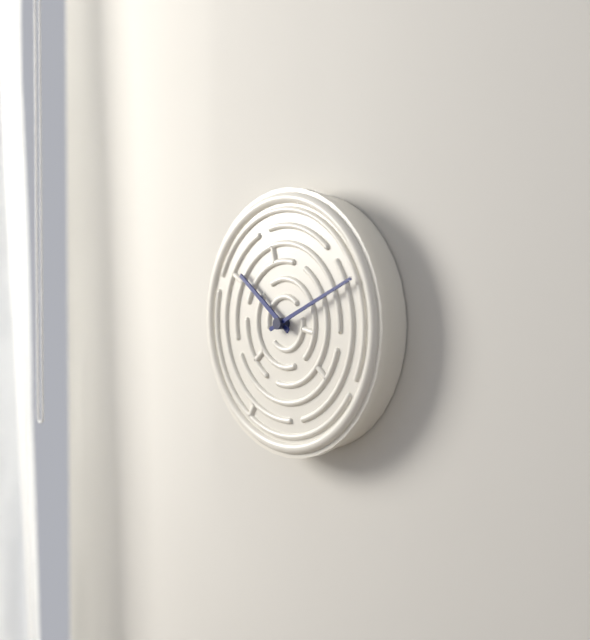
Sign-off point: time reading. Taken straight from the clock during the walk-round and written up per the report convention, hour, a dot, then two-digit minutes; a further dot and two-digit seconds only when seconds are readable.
10.11
